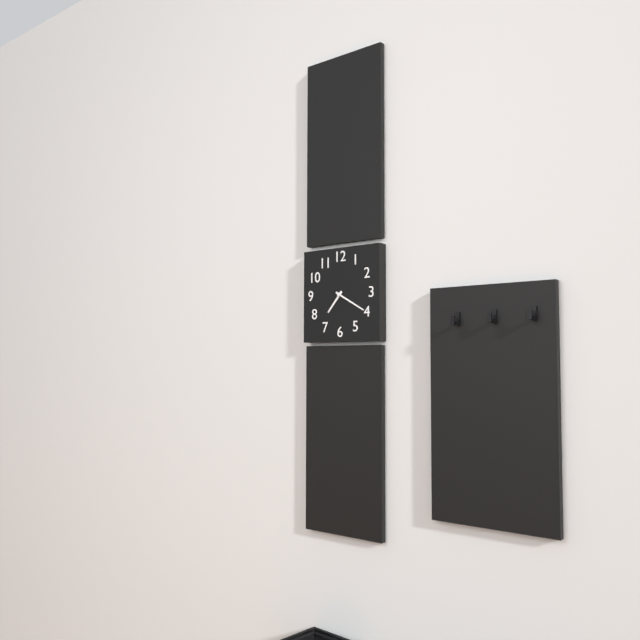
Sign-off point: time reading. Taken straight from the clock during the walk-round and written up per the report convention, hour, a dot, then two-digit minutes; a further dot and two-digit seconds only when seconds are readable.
7.20
